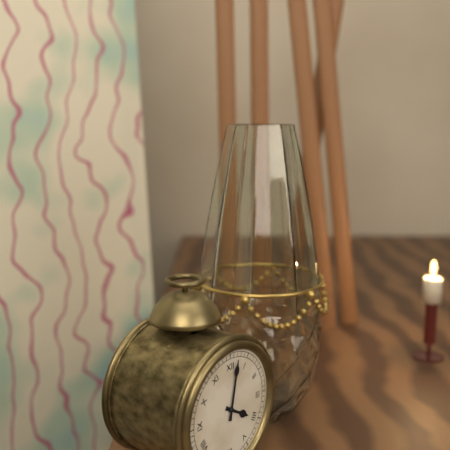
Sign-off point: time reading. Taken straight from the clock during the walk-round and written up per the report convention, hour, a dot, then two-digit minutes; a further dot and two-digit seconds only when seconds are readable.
4.02
